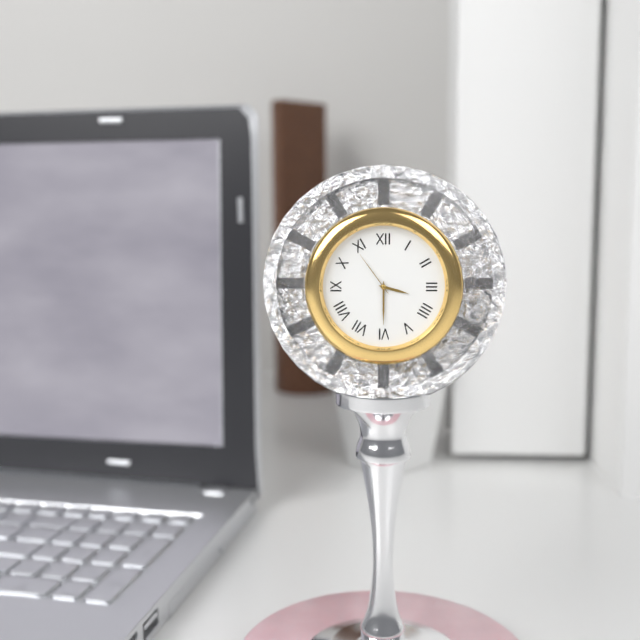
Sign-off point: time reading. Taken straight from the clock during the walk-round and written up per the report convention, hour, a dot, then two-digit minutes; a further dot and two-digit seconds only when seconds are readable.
3.30.54
